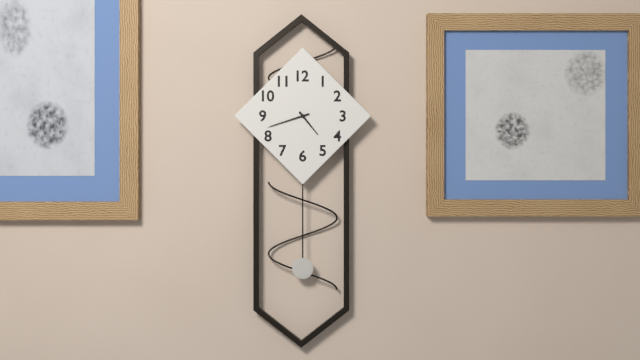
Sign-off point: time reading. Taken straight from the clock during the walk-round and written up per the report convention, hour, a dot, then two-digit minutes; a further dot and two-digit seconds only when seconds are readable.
4.42
